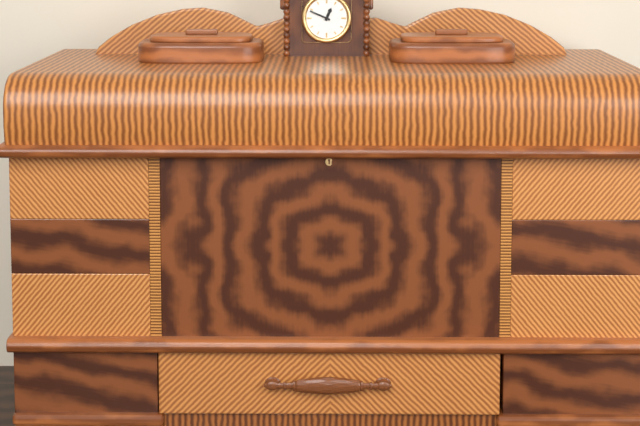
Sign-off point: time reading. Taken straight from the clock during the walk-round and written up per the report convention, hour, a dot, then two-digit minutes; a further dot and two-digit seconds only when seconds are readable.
12.49
